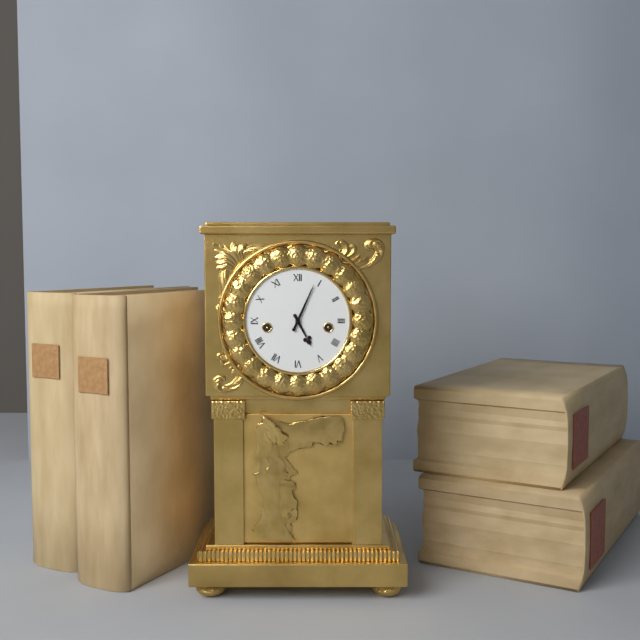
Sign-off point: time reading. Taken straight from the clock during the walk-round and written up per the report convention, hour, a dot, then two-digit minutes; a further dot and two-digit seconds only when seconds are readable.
5.04
